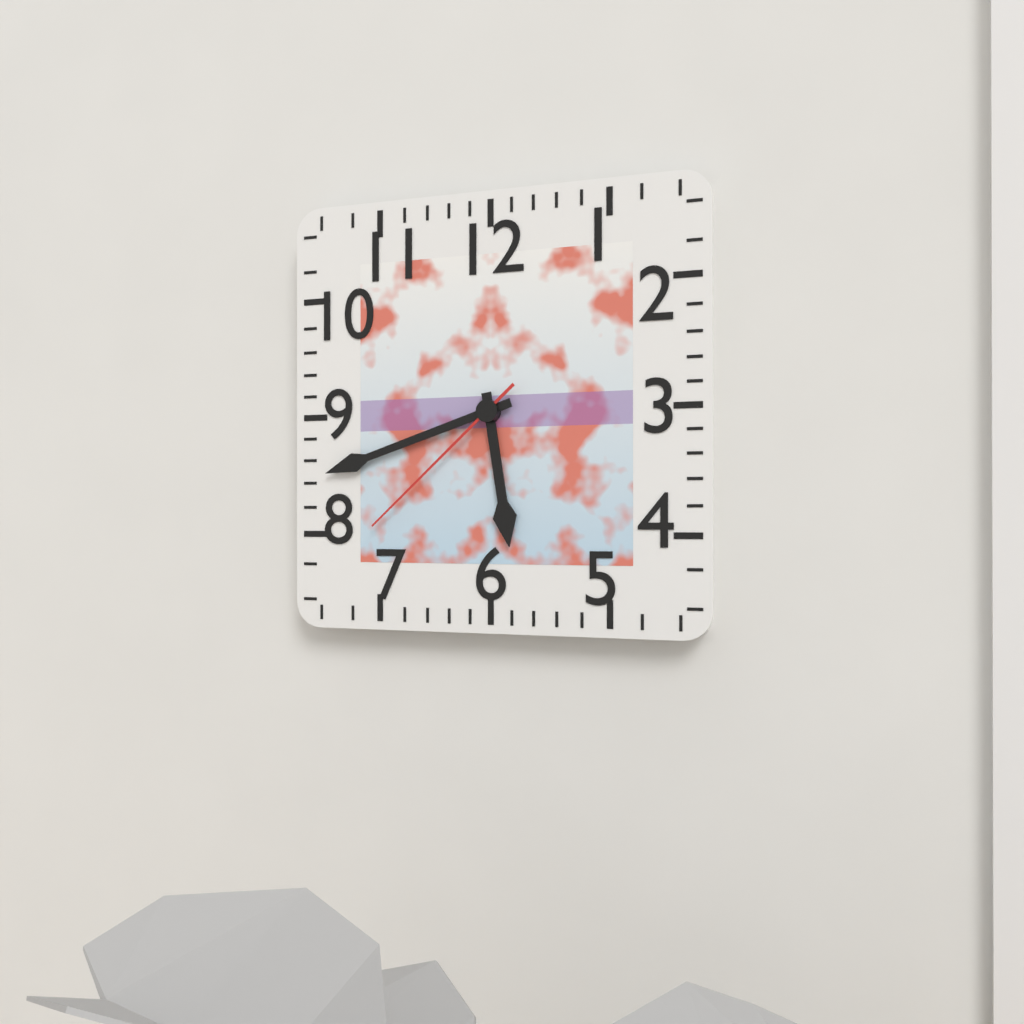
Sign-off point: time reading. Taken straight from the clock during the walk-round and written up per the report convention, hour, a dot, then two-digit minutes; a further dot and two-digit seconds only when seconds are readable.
5.42.38
